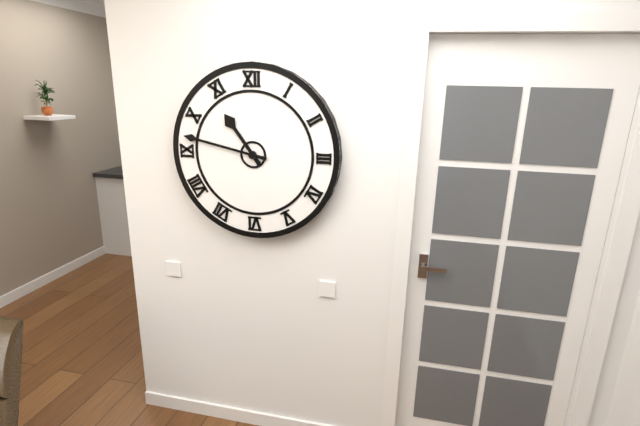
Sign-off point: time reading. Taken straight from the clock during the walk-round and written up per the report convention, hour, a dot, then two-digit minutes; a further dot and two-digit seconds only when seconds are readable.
10.47
